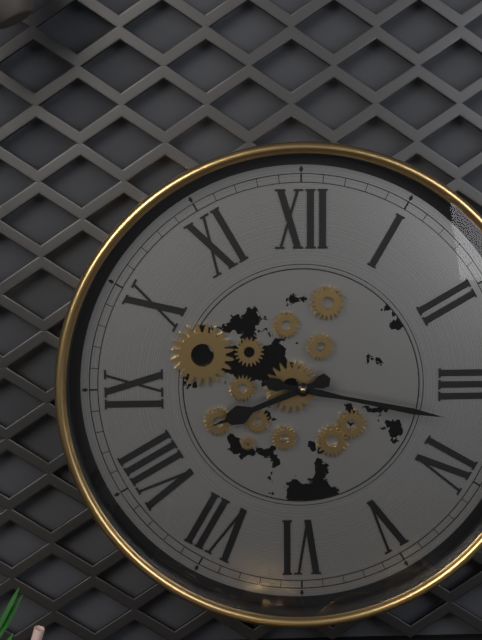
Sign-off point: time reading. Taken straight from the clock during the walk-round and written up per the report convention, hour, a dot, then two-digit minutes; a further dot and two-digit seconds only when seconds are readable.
8.17
